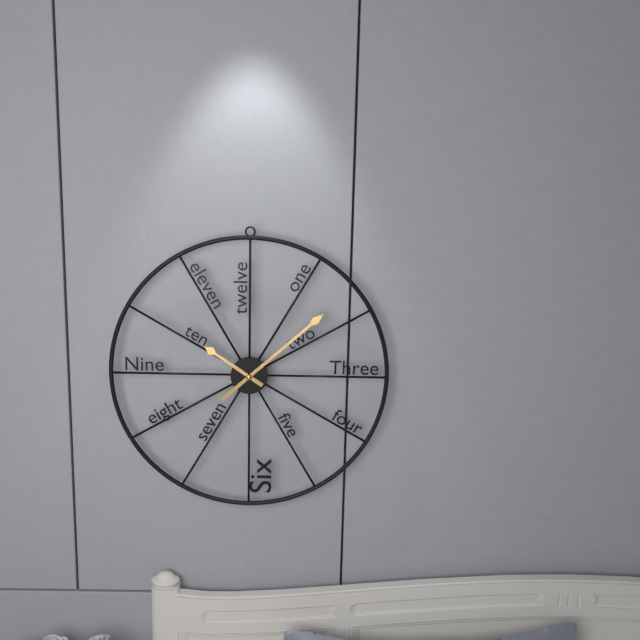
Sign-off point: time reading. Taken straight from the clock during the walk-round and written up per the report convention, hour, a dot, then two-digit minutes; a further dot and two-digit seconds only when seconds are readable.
10.08
